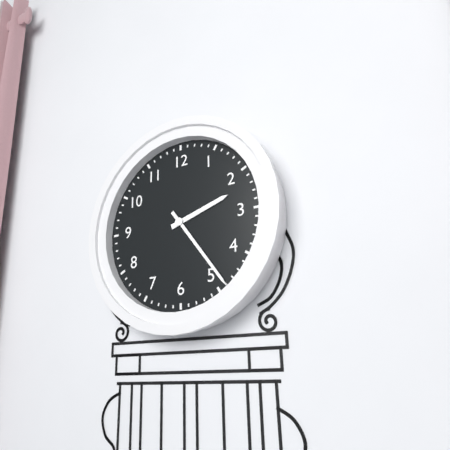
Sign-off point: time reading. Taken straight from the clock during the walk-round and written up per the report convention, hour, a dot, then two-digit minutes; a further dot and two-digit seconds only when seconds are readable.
2.24
